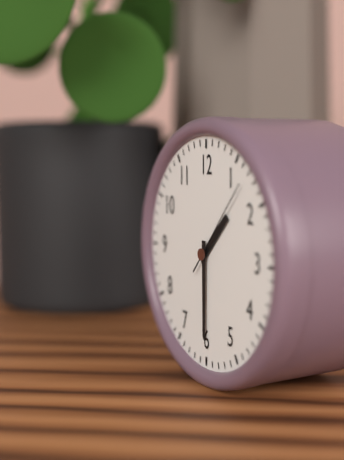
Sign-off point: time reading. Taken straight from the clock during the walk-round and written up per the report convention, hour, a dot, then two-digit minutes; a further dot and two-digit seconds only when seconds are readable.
1.30.07
